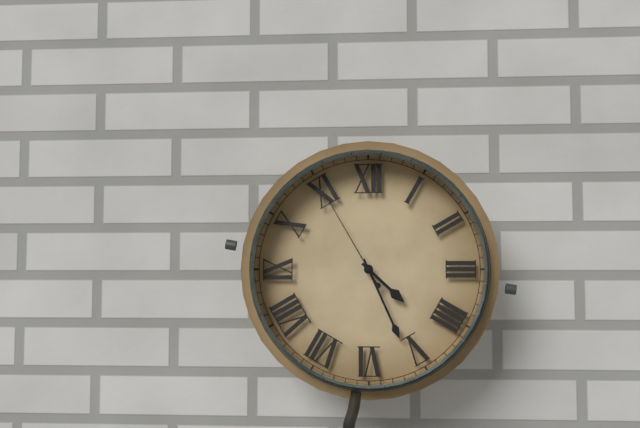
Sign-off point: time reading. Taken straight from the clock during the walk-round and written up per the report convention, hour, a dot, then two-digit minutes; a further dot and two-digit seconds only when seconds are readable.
4.26.55
